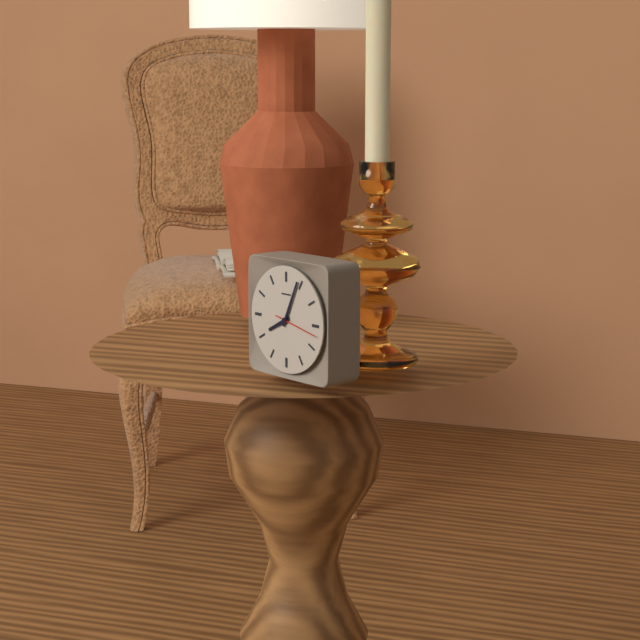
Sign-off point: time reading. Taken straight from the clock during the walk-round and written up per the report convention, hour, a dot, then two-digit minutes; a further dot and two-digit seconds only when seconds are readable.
8.04
